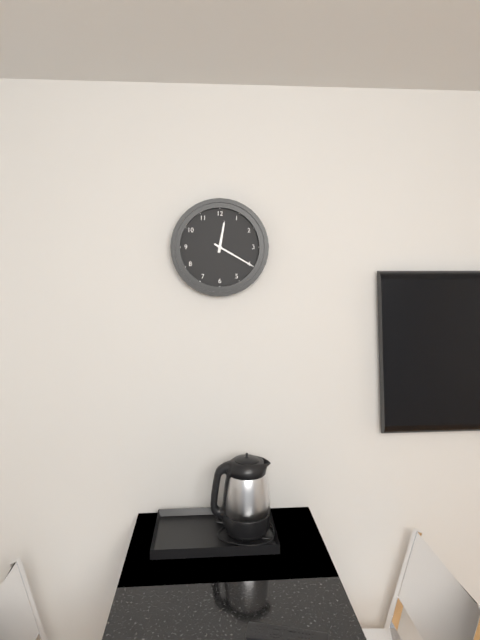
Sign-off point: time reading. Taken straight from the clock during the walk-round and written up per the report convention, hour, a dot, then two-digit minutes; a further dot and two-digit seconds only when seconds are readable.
12.20
